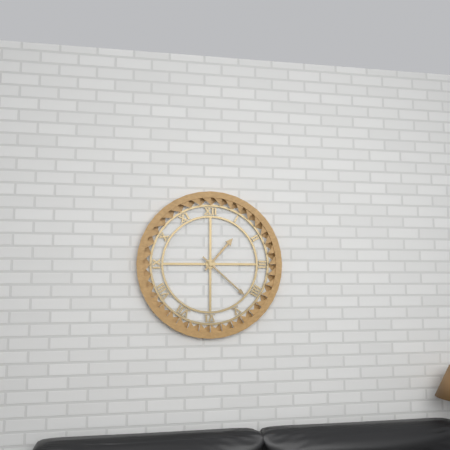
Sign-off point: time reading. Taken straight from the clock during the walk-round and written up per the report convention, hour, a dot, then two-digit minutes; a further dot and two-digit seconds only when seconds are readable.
1.22
